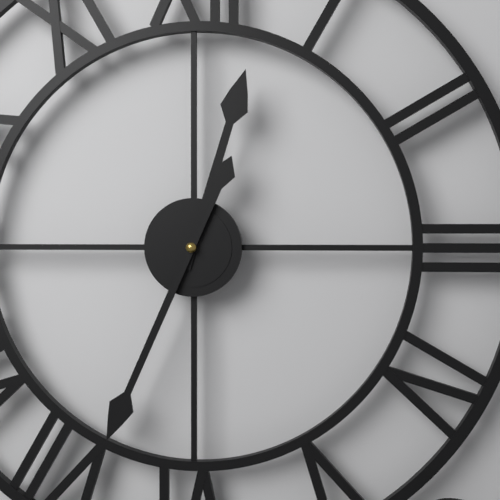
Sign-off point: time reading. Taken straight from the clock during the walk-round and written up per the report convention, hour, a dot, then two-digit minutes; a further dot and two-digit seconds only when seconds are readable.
12.34
